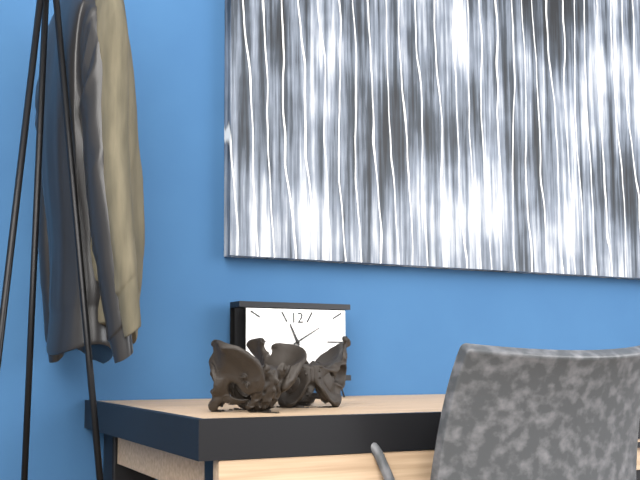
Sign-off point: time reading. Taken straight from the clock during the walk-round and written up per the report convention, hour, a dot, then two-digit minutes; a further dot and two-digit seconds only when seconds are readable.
11.10
